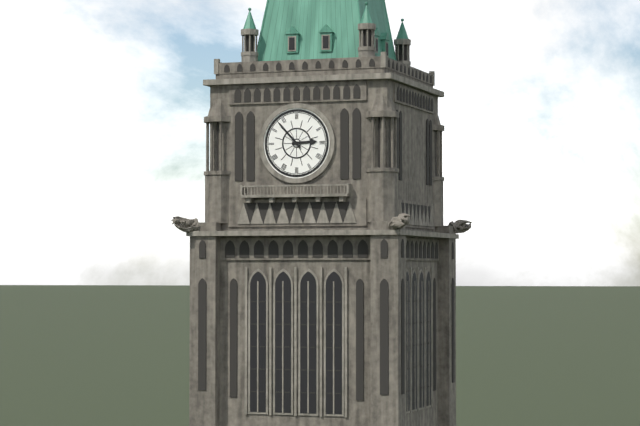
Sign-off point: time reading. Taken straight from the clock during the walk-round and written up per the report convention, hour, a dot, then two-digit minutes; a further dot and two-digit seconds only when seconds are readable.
2.53
